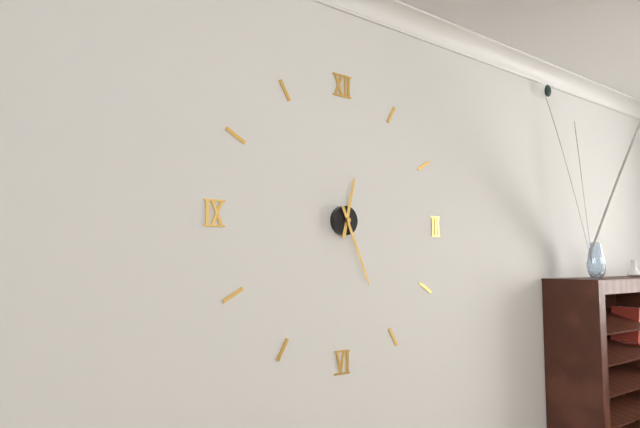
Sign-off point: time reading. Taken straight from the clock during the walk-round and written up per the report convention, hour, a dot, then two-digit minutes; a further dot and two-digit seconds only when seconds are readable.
12.26
